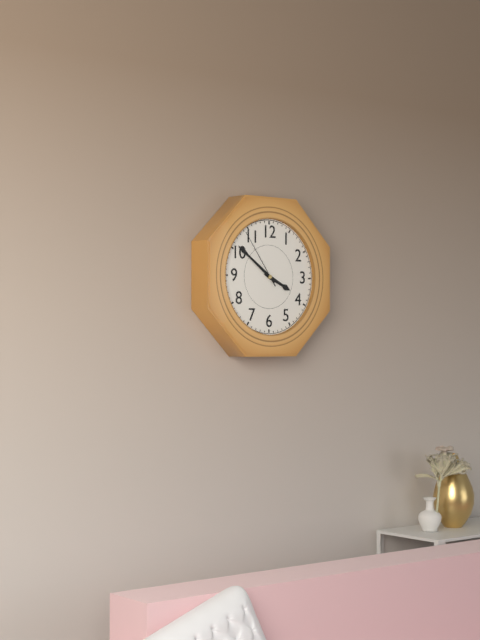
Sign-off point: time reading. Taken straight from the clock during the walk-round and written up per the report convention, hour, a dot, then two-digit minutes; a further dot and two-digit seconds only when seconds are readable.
3.51.54
